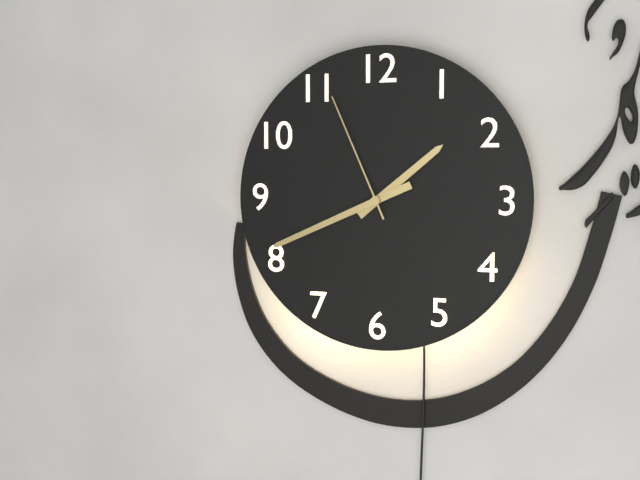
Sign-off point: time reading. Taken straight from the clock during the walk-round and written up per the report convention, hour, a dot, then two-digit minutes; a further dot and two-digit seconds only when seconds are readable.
1.41.56
